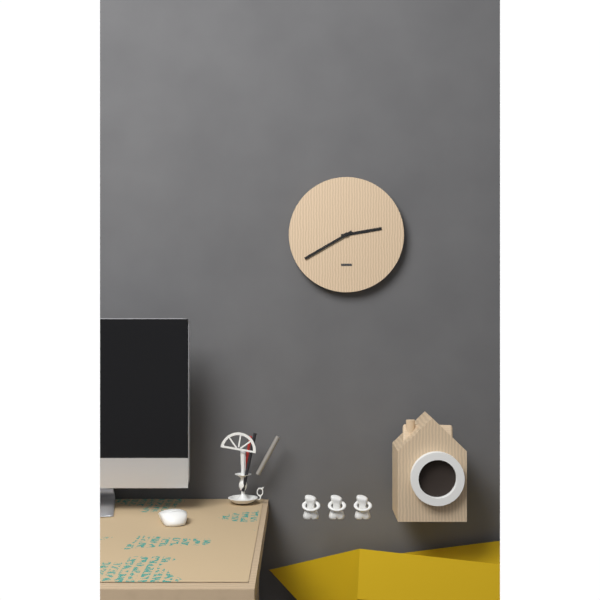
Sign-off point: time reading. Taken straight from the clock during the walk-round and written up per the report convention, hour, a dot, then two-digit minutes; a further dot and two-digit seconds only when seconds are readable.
2.40
